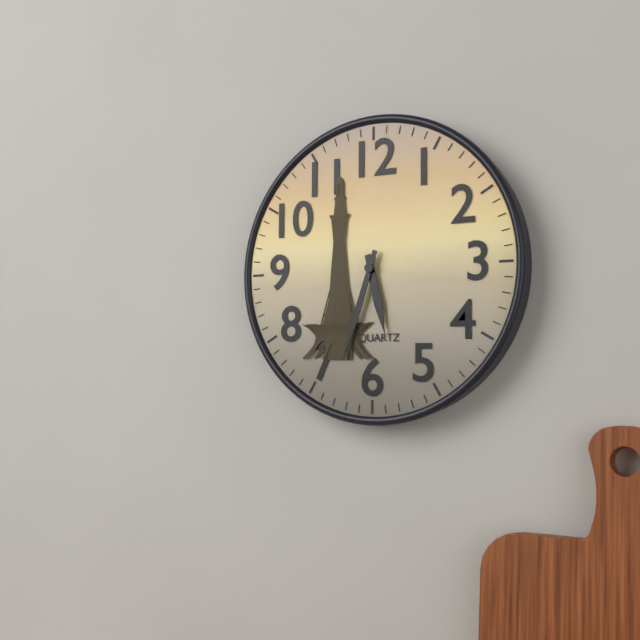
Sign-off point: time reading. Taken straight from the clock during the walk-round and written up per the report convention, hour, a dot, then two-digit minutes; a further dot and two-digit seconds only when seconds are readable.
5.33
